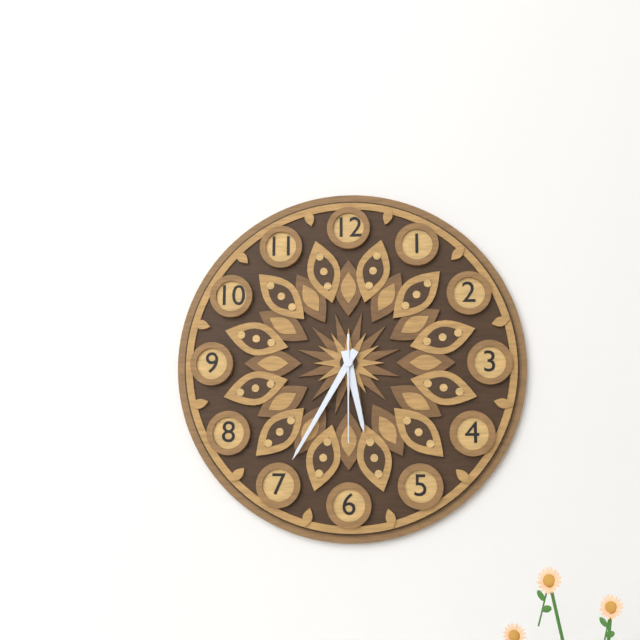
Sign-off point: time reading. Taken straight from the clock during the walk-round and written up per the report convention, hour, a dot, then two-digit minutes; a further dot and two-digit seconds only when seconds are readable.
5.35.30
